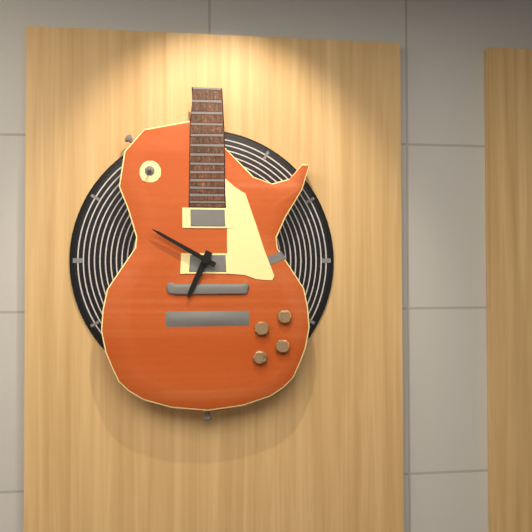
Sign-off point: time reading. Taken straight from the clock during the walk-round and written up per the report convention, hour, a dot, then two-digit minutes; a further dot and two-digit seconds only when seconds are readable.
6.50
